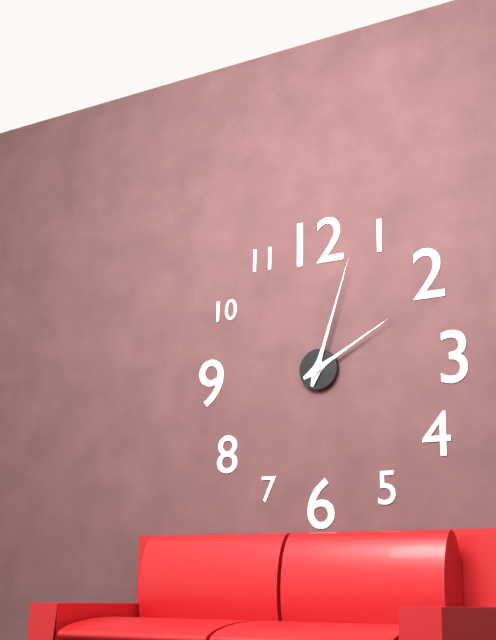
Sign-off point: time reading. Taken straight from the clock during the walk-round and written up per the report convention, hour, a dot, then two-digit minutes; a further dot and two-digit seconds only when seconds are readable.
2.03
